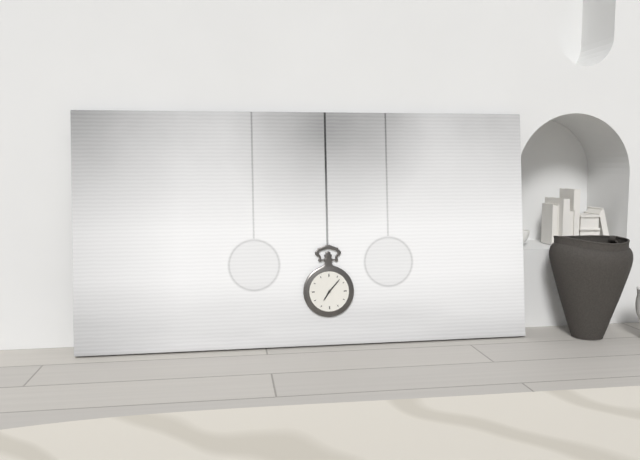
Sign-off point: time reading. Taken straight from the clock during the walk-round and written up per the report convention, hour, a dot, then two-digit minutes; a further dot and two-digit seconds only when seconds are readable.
7.07
